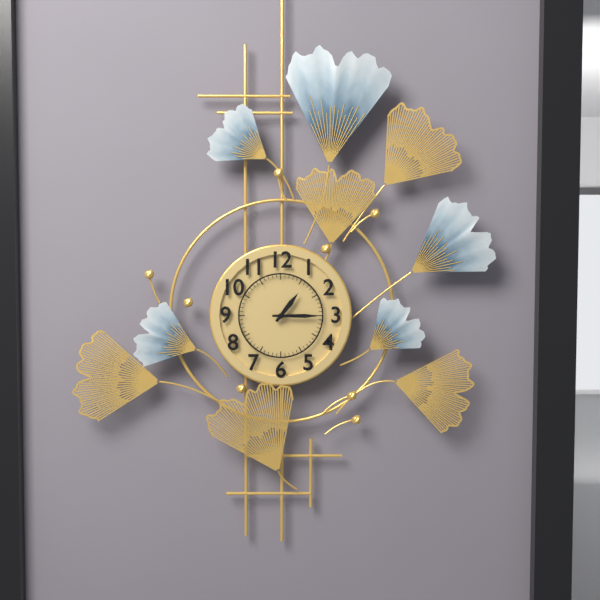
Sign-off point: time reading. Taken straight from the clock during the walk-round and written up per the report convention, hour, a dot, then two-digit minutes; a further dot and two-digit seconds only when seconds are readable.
1.15
